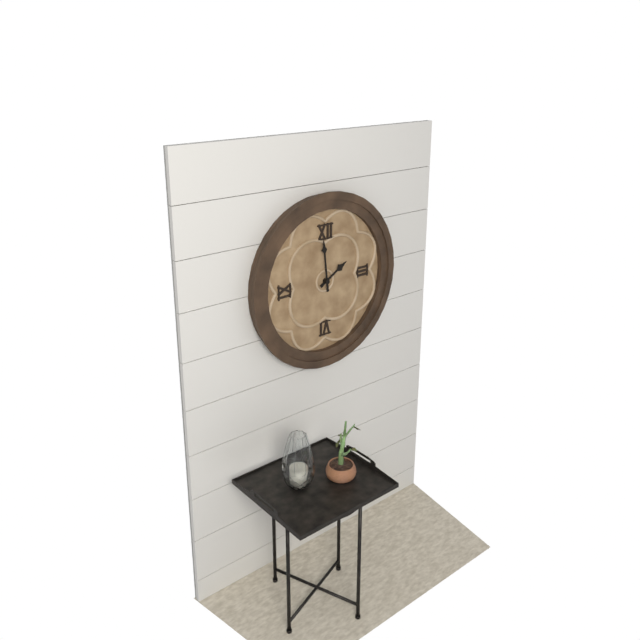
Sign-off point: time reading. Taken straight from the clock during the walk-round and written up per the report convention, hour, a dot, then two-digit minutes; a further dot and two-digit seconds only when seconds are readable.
1.59
